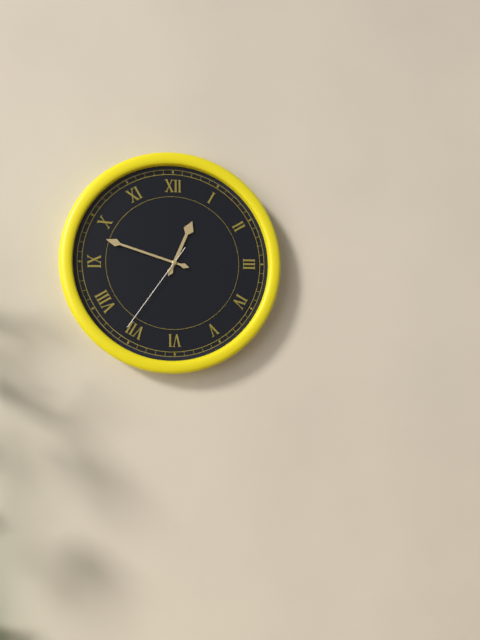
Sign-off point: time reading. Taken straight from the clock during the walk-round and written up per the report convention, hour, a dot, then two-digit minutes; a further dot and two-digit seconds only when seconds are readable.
12.48.36
